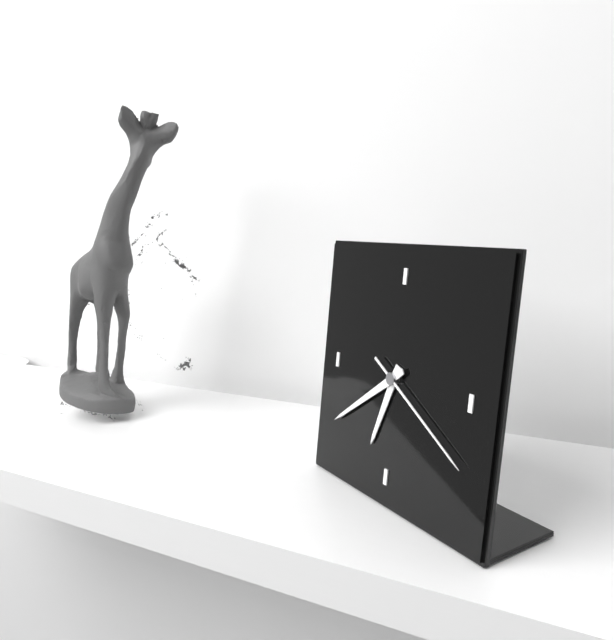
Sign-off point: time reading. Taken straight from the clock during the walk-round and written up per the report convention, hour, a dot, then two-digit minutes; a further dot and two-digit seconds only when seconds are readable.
6.39.20
